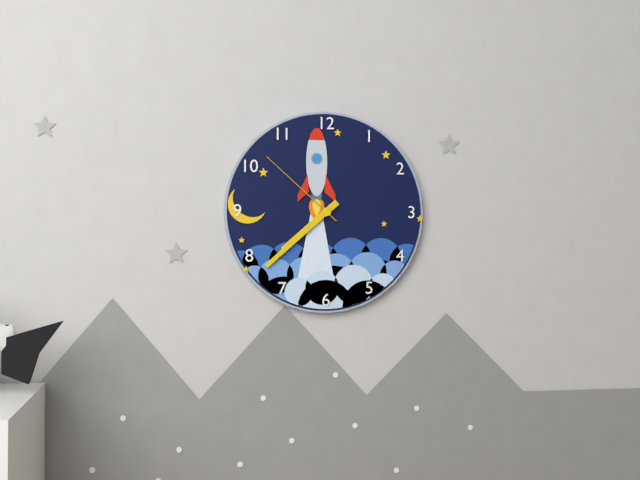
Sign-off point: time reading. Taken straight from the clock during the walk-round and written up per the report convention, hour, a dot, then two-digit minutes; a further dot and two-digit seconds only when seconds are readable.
7.38.52
